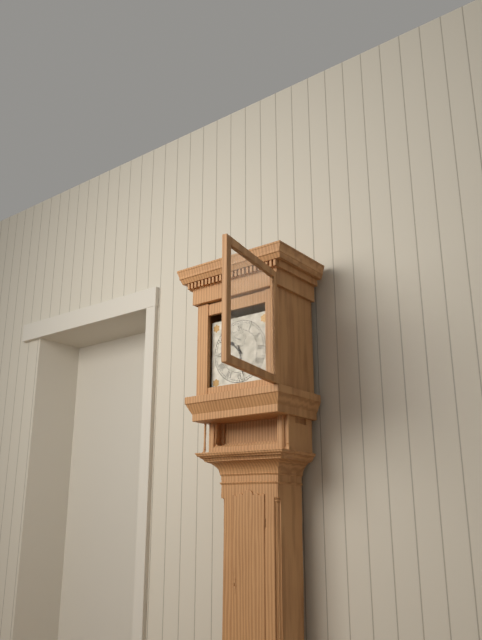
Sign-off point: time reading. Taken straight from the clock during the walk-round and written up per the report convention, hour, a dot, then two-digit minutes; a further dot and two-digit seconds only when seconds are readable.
10.28
